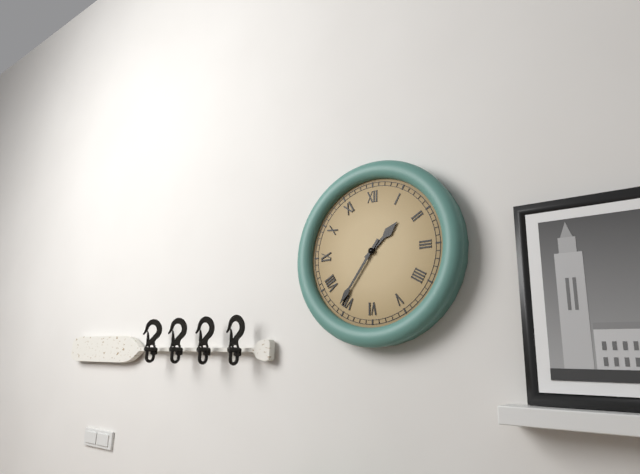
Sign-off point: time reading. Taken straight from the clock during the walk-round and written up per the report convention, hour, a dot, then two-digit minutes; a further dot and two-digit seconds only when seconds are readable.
1.36
